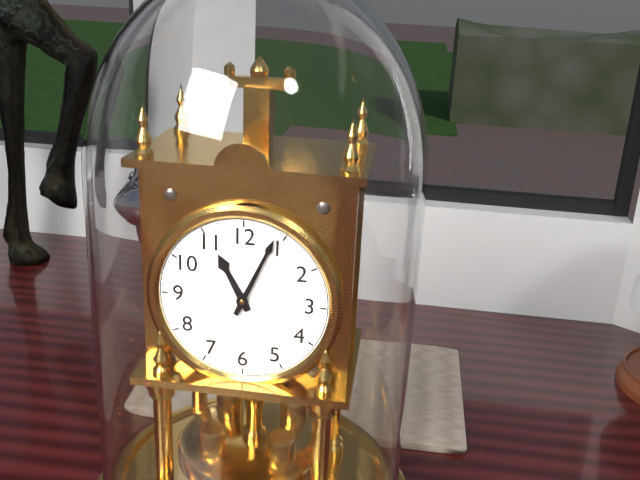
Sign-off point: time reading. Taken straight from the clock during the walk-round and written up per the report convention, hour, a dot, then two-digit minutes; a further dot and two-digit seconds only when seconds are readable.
11.04
